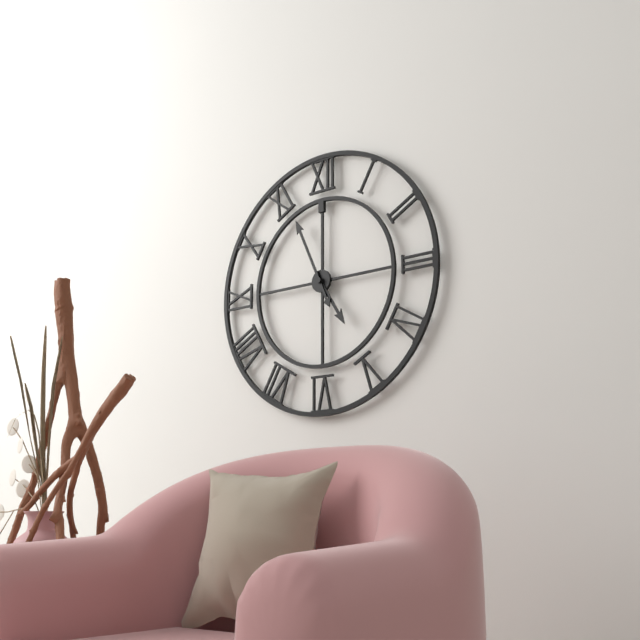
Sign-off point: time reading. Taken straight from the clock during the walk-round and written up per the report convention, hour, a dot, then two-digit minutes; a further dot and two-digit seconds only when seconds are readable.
4.56
